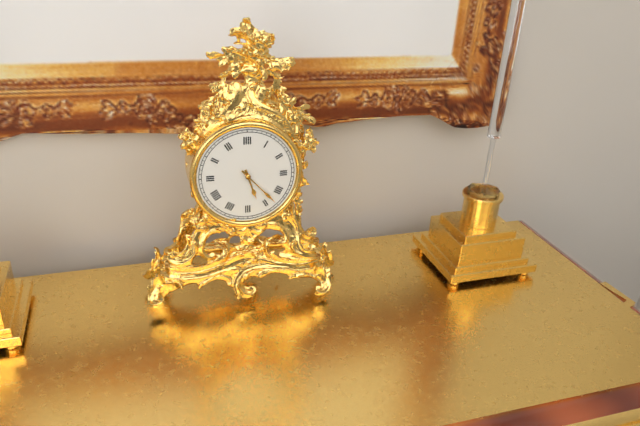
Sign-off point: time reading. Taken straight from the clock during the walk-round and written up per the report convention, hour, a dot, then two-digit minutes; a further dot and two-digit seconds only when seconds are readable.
5.23
